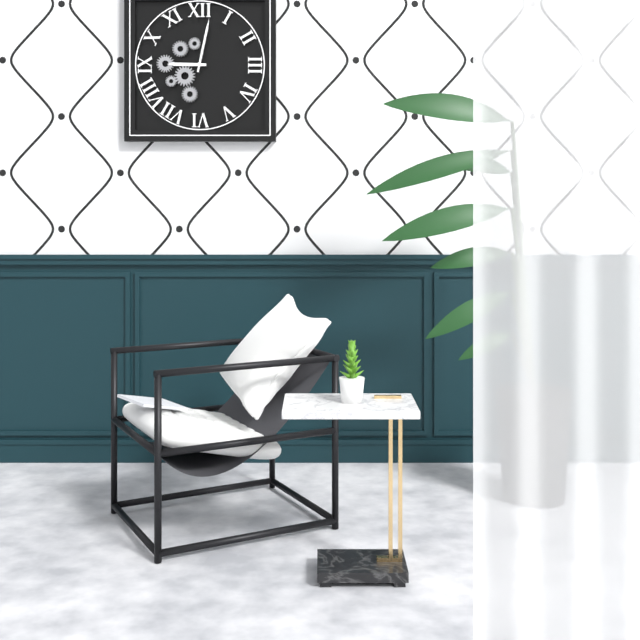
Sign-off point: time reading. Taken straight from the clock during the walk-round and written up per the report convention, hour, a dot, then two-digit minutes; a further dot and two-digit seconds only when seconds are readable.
9.02
